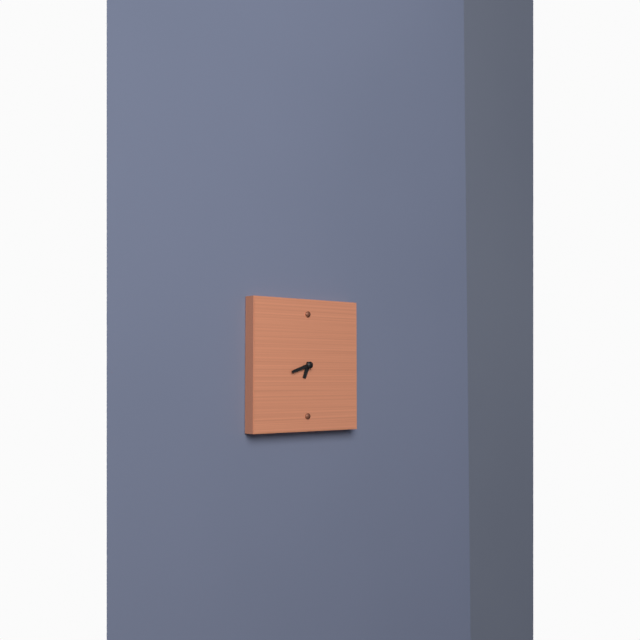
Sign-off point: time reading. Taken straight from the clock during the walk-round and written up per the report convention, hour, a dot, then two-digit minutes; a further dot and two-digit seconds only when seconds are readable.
6.42
